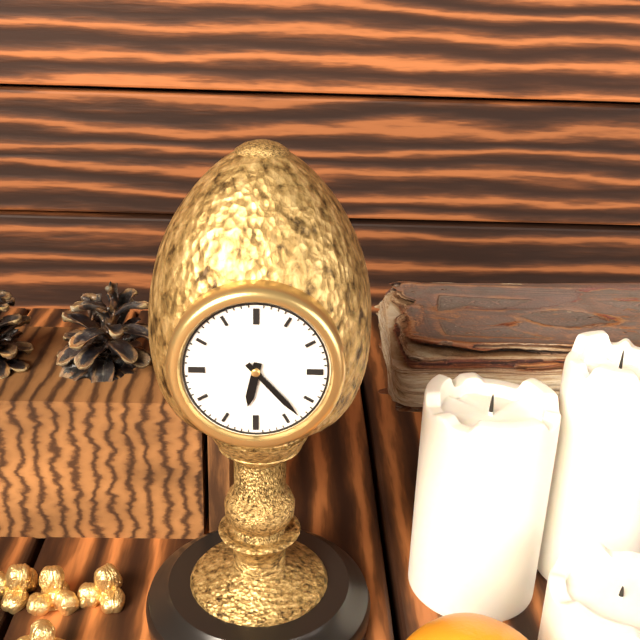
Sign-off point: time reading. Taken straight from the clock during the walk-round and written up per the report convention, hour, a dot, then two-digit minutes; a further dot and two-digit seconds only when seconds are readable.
6.23
